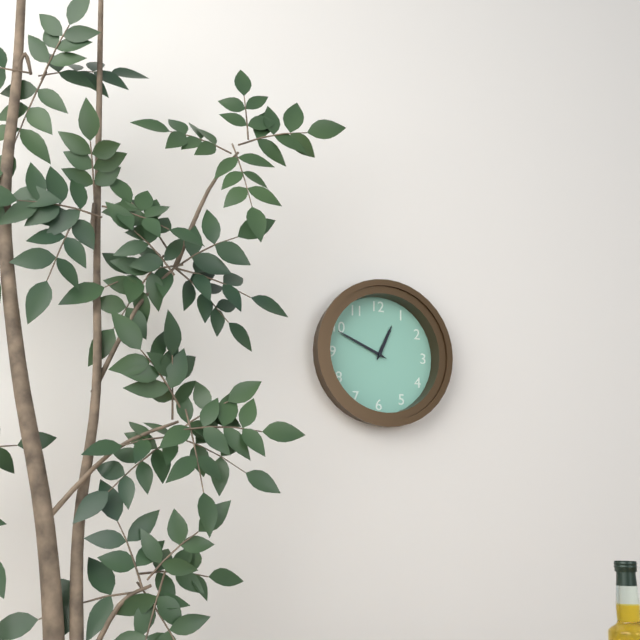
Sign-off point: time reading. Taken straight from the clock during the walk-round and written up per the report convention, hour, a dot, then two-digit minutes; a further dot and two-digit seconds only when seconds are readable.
12.49
